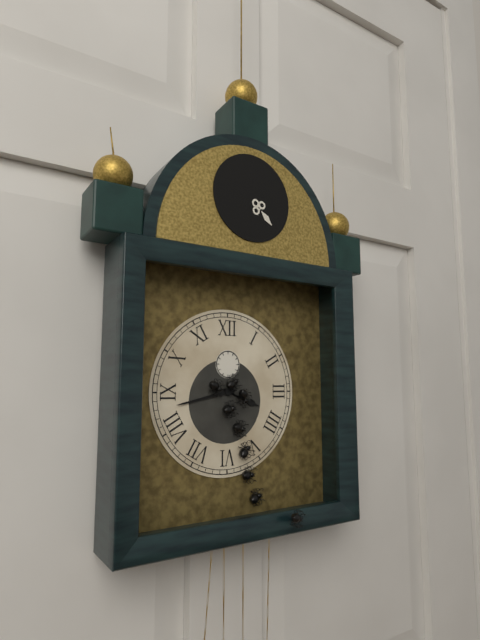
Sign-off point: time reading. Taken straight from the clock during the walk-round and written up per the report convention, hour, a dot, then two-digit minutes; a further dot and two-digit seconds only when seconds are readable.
3.43
